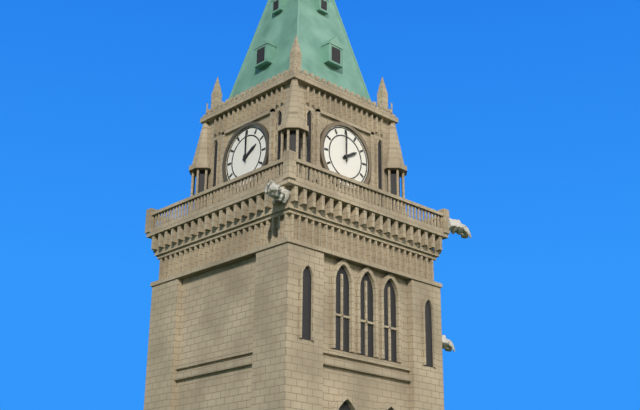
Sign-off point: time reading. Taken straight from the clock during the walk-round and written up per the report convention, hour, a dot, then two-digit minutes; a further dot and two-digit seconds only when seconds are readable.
2.00
